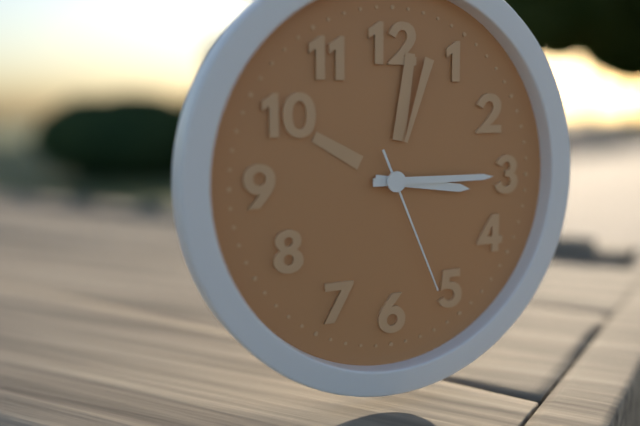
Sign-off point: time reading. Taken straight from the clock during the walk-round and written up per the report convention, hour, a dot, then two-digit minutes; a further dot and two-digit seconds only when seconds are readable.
3.15.26
